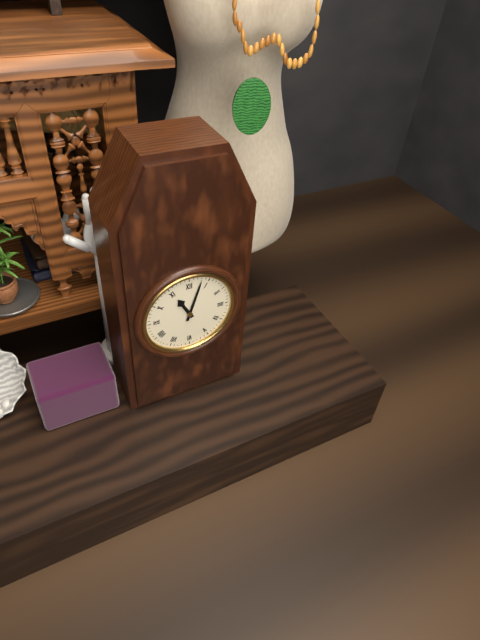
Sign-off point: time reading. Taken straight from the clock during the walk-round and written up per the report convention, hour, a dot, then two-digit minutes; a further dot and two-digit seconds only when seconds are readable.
11.03
